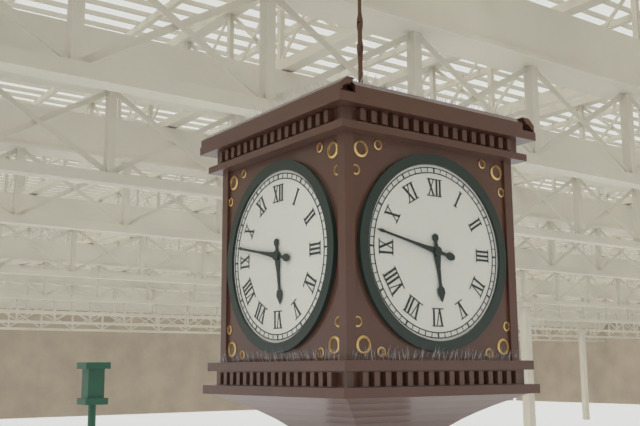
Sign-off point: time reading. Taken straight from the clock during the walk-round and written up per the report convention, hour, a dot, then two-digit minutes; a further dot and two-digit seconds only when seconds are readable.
5.47
